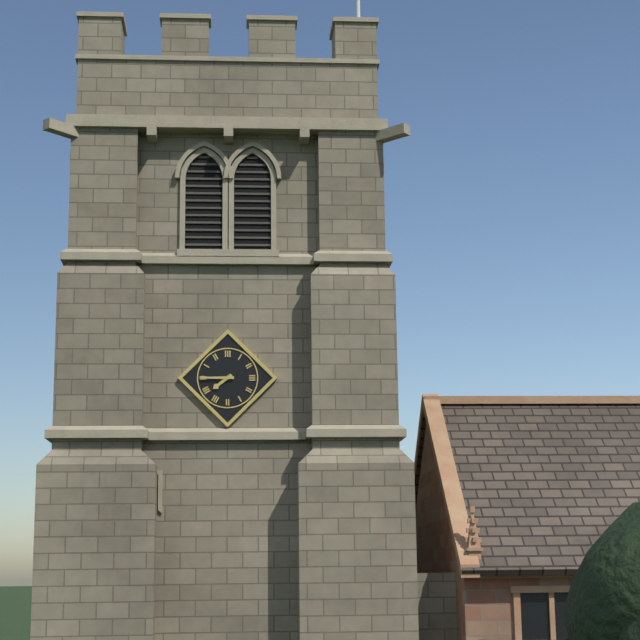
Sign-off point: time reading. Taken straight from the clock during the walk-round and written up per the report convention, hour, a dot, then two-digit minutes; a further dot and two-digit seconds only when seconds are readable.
7.45
